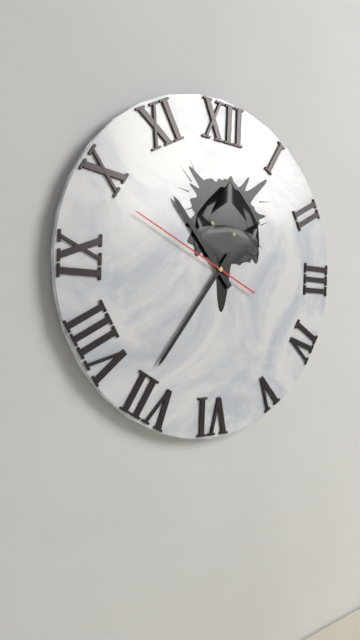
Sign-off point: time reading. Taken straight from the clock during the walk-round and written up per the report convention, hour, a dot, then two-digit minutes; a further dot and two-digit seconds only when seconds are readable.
10.36.49
